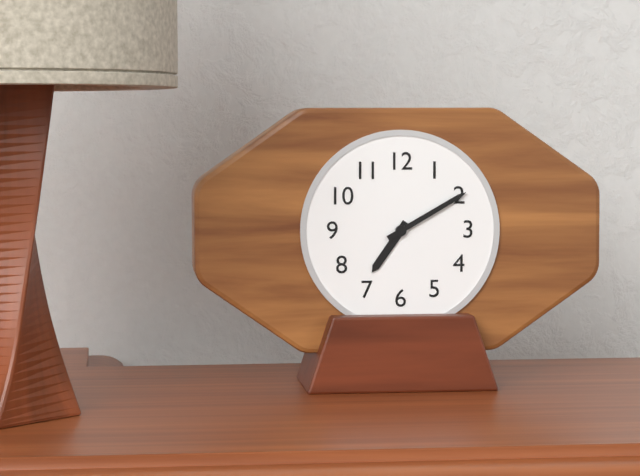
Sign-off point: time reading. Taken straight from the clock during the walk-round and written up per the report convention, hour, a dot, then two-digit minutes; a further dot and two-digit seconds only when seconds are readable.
7.10
